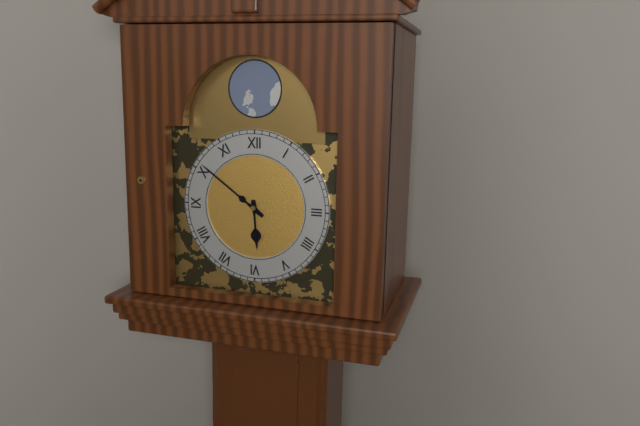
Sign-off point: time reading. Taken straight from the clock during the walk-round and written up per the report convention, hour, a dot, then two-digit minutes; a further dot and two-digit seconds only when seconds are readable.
5.51
